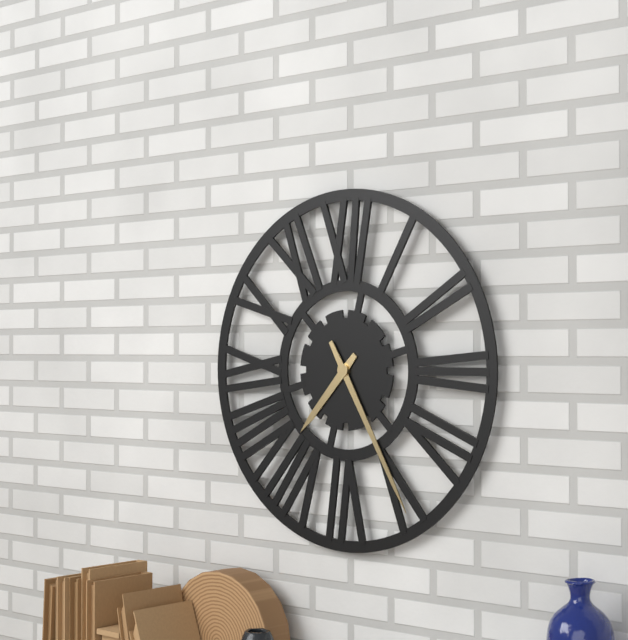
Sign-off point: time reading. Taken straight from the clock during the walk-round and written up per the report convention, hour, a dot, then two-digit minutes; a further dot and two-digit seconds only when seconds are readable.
7.25
